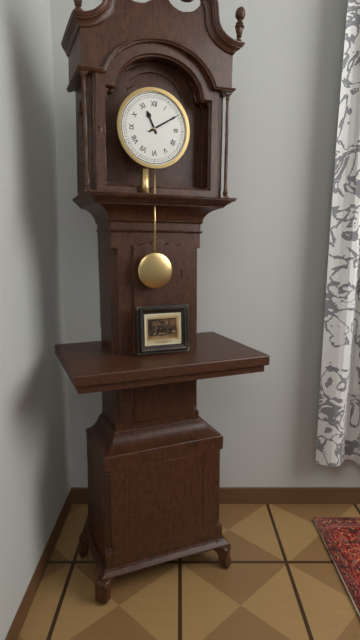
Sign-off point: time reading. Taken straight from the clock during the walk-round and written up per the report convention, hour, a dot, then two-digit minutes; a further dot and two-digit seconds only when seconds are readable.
11.10
